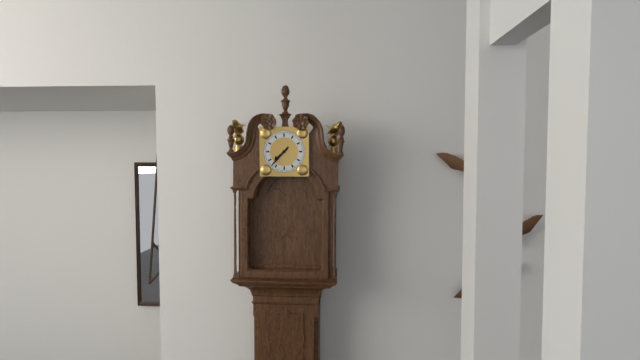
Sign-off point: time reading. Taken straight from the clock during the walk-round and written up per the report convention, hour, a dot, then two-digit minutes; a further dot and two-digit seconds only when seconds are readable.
7.37
